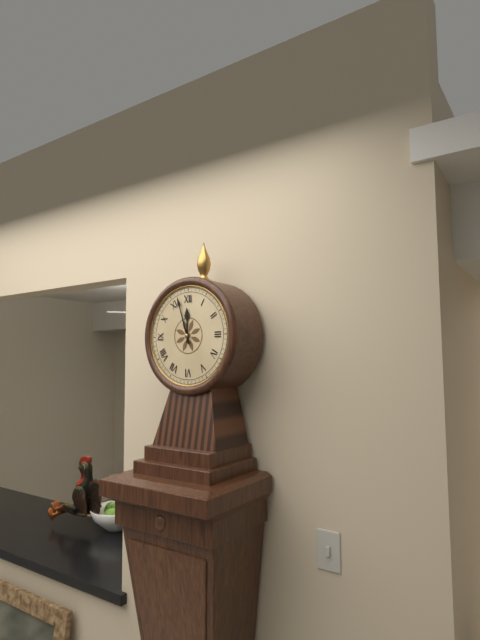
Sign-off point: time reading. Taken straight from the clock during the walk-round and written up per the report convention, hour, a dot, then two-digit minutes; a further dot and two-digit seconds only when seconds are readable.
11.57
